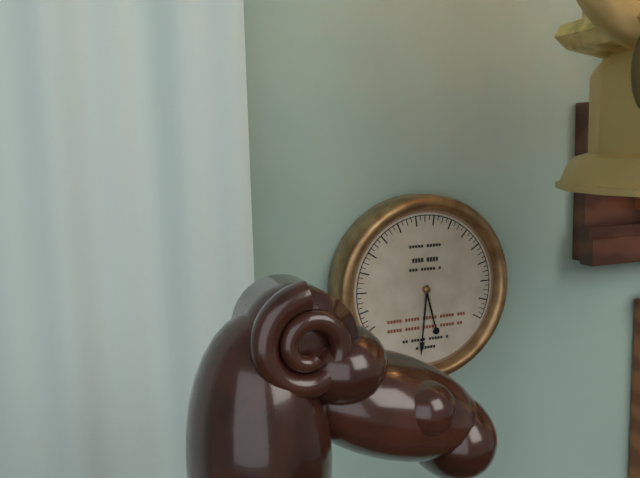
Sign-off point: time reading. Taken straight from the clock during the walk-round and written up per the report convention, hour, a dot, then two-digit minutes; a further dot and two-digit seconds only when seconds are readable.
5.31
